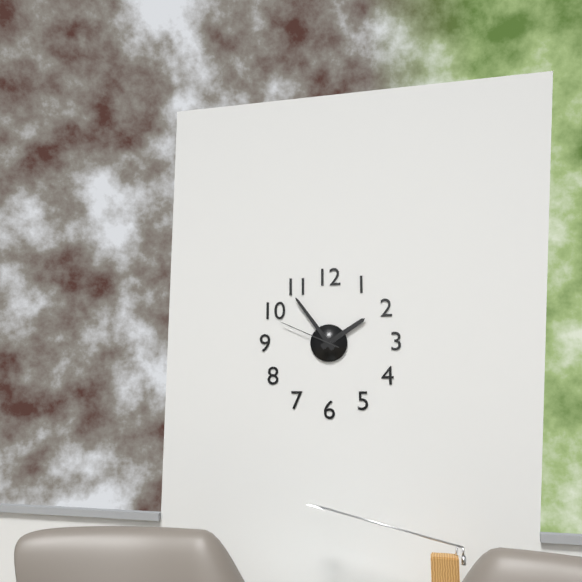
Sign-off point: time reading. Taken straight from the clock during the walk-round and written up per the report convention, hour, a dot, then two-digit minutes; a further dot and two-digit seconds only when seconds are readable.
1.54.49
